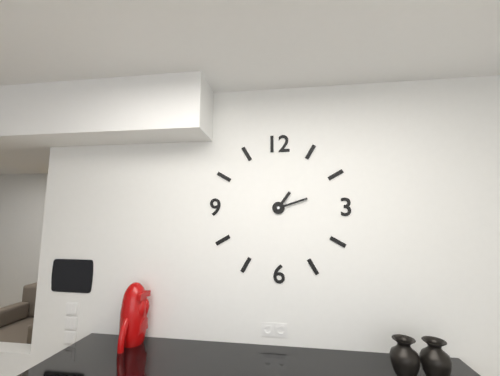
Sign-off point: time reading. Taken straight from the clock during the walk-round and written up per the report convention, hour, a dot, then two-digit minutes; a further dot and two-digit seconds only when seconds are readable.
1.12
